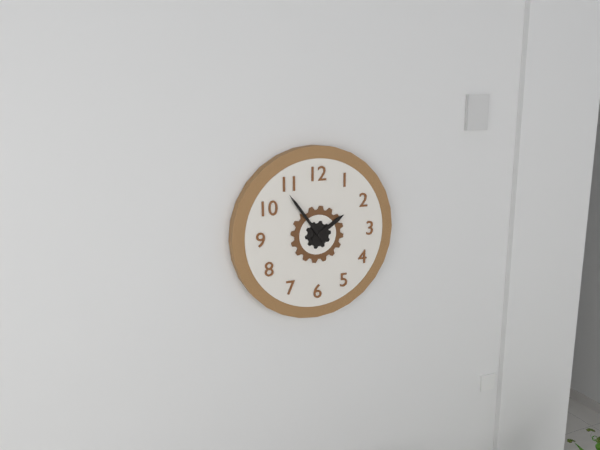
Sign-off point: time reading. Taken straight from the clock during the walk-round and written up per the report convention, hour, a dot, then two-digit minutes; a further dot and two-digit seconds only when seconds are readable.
1.54
